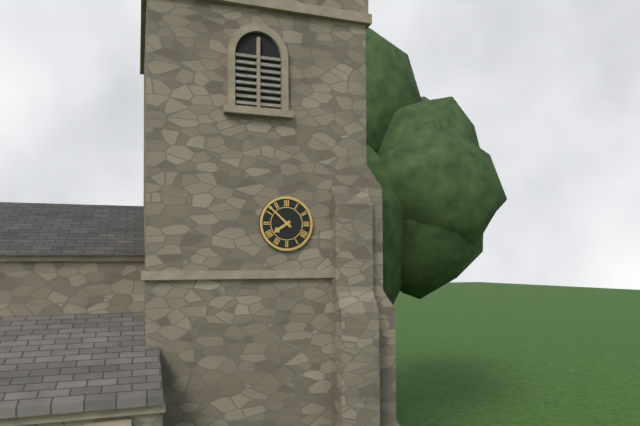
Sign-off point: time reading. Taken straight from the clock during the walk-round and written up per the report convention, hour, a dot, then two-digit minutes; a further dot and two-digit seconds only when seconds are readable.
7.52
